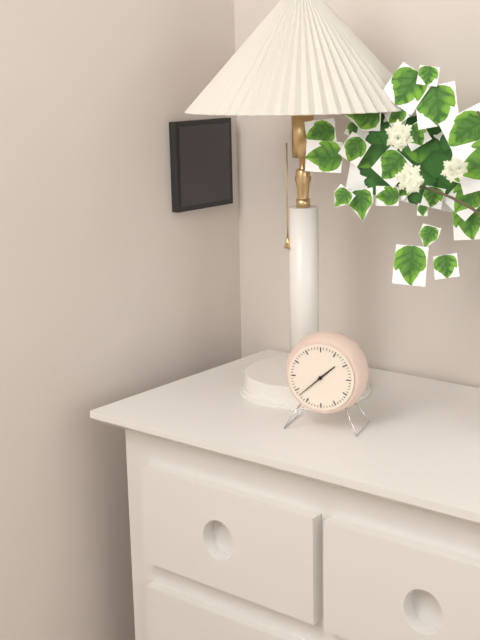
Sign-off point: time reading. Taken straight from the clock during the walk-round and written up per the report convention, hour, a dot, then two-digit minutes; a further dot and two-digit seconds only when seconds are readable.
1.38
